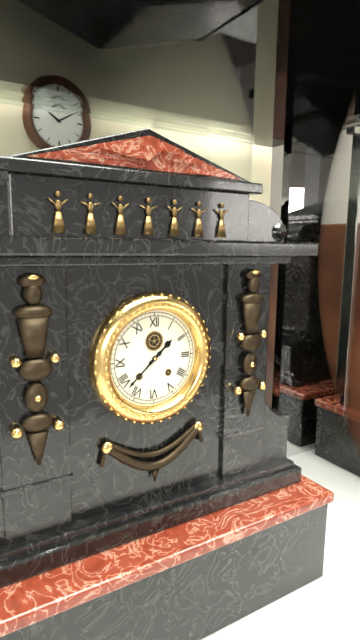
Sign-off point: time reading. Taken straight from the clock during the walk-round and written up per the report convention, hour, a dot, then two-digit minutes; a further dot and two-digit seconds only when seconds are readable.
1.38
